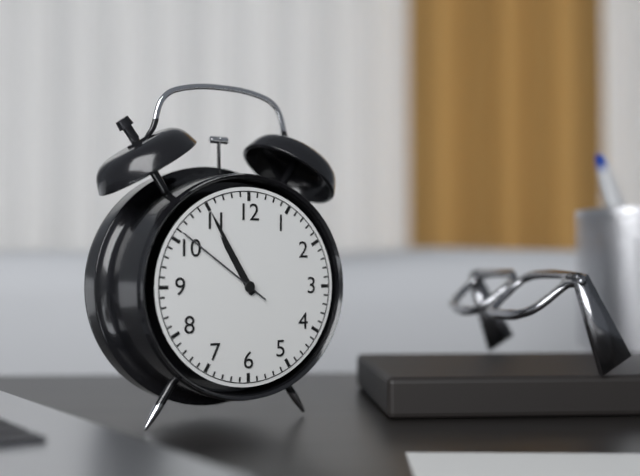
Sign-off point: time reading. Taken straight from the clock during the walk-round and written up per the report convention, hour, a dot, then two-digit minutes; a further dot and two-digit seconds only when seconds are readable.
10.55.51
